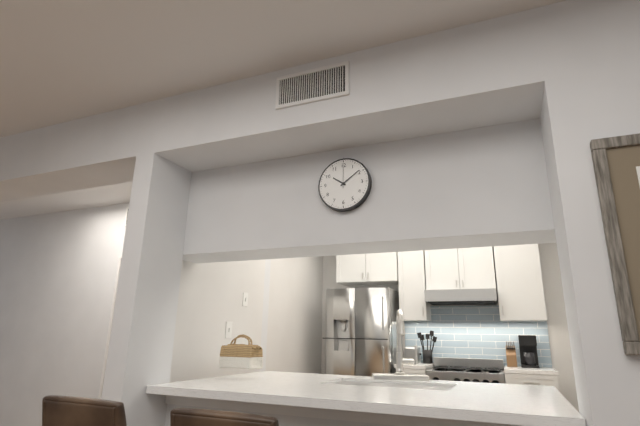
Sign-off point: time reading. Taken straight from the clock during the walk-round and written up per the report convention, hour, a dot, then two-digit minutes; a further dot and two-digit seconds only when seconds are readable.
10.09
